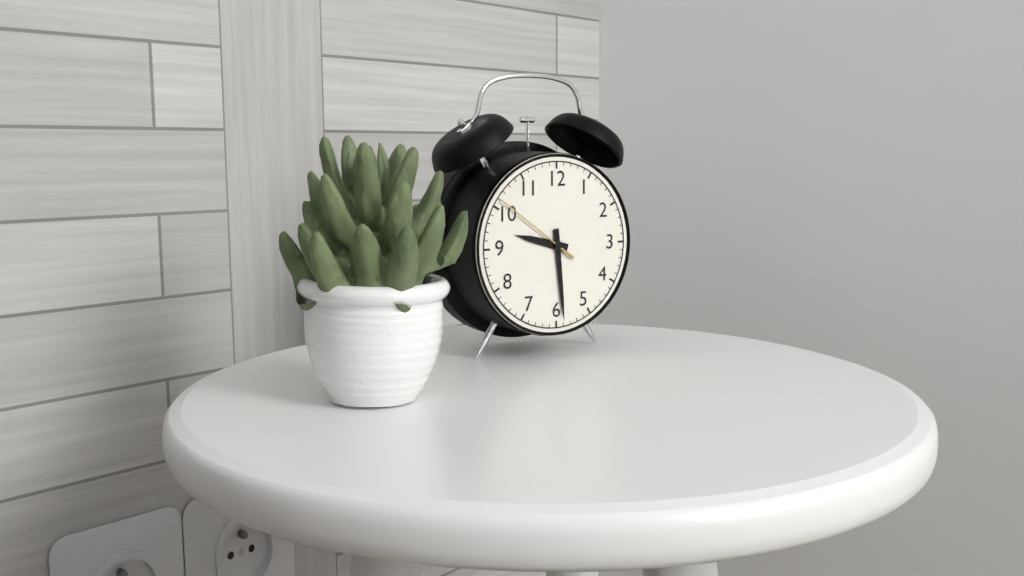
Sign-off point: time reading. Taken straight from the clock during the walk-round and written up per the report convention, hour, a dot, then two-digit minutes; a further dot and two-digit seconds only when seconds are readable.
9.29.51
